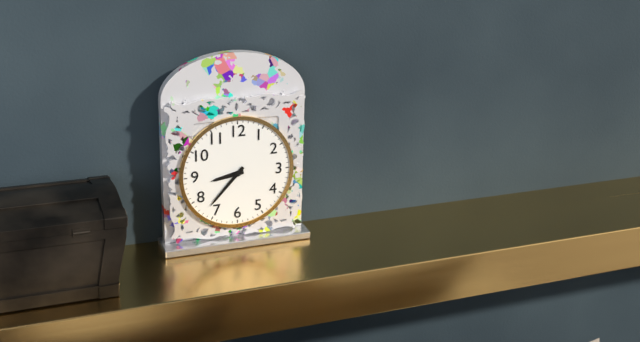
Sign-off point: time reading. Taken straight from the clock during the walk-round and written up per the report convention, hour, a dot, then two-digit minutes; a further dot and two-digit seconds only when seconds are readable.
8.37
